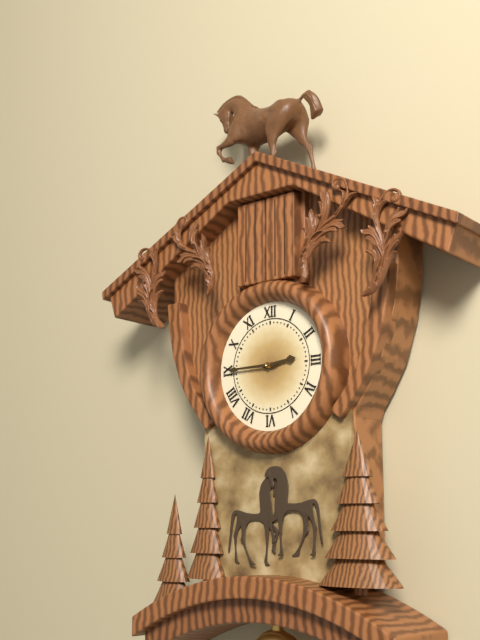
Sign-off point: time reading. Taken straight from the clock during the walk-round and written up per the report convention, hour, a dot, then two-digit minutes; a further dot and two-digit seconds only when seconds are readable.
2.45
